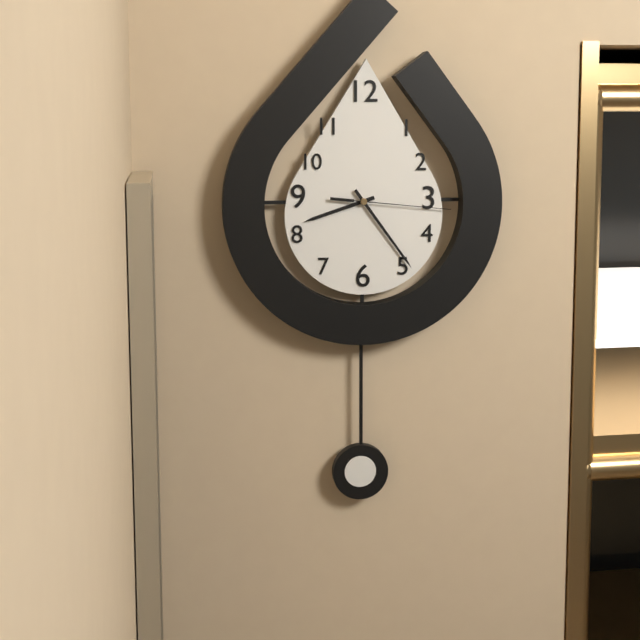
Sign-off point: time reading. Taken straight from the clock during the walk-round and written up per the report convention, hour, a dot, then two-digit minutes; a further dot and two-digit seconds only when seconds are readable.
8.24.16
